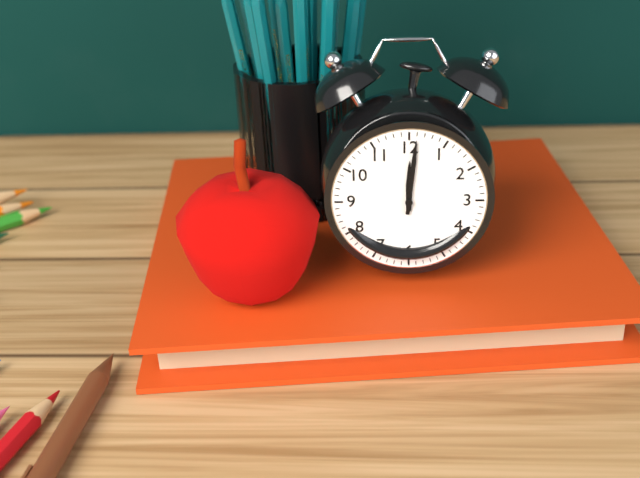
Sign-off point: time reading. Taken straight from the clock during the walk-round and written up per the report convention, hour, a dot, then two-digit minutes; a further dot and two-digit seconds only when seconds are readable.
12.01
